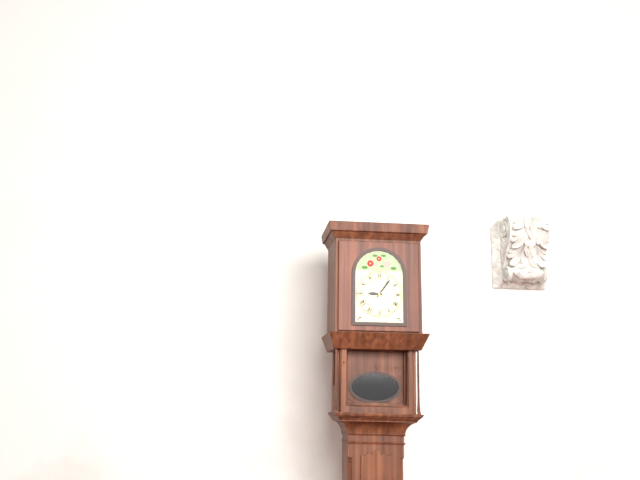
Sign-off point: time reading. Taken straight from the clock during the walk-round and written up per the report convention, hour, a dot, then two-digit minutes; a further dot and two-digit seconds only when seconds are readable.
9.06
